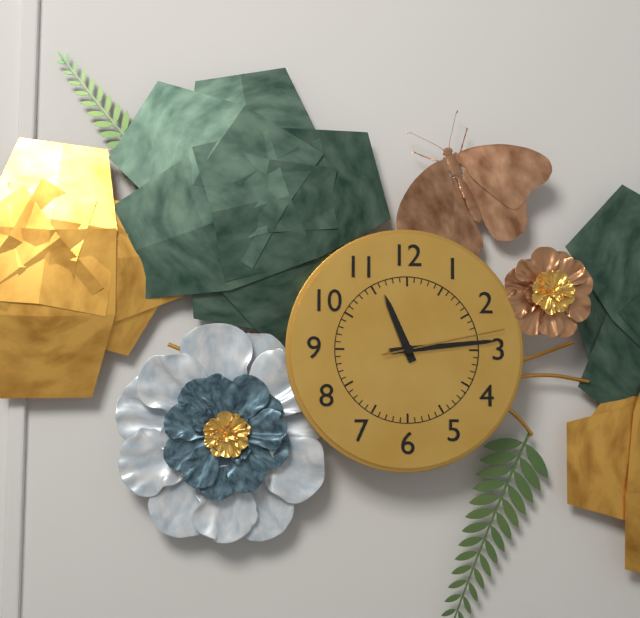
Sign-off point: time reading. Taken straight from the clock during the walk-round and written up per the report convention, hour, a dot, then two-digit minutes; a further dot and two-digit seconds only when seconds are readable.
11.14.13
